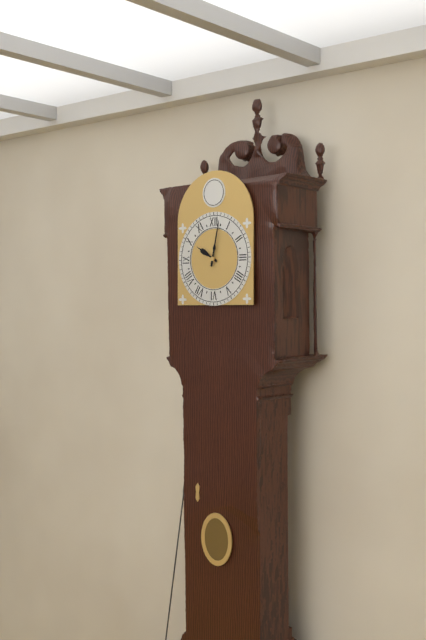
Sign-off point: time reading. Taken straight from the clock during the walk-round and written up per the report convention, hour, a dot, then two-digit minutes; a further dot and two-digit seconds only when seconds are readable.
10.02
